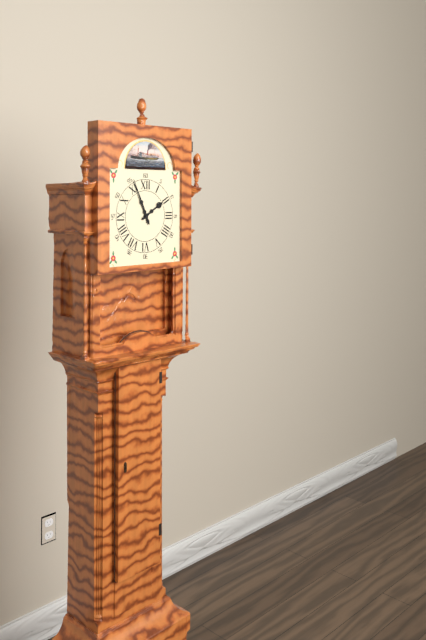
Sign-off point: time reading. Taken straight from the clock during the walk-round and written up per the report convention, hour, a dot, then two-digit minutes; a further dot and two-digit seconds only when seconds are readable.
1.56
